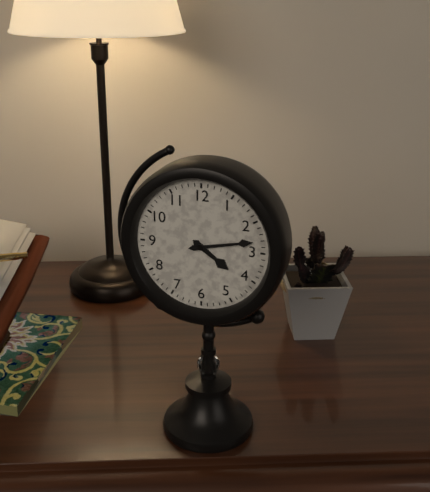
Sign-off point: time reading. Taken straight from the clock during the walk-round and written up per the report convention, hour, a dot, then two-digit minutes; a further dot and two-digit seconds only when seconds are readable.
4.13
